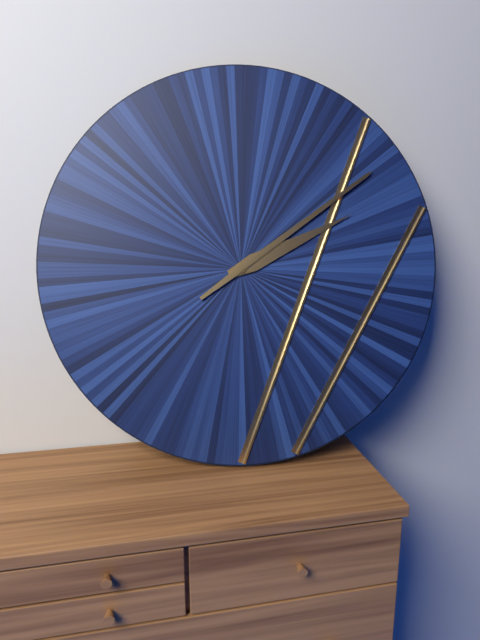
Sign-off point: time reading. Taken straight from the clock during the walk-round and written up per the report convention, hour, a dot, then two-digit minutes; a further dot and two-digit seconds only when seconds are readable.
2.09
